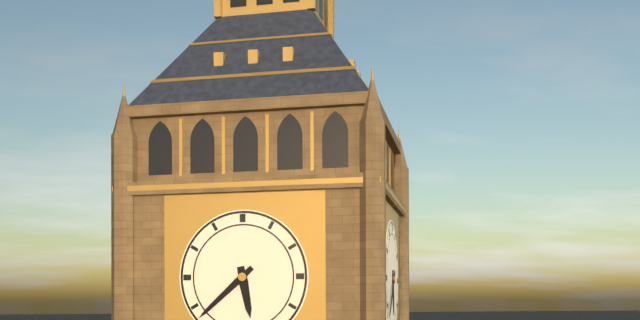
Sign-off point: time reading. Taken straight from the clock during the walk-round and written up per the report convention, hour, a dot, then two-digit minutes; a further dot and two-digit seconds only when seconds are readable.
5.38
